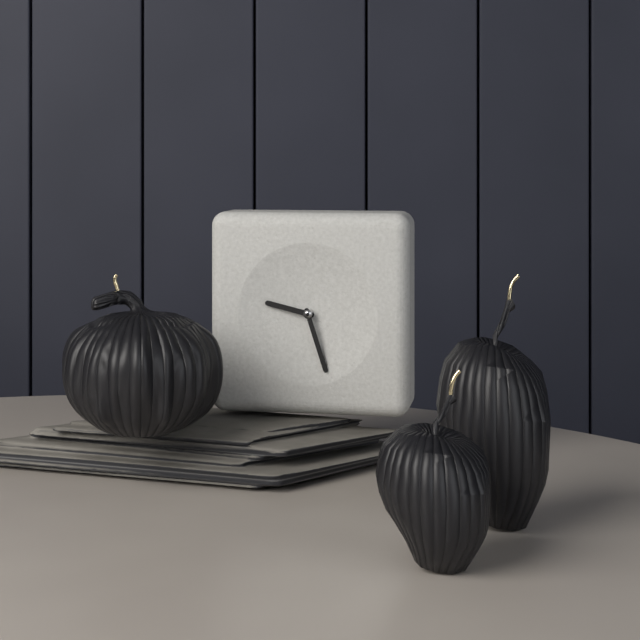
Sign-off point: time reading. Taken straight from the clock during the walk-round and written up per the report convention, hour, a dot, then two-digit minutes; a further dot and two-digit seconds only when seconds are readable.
9.27
